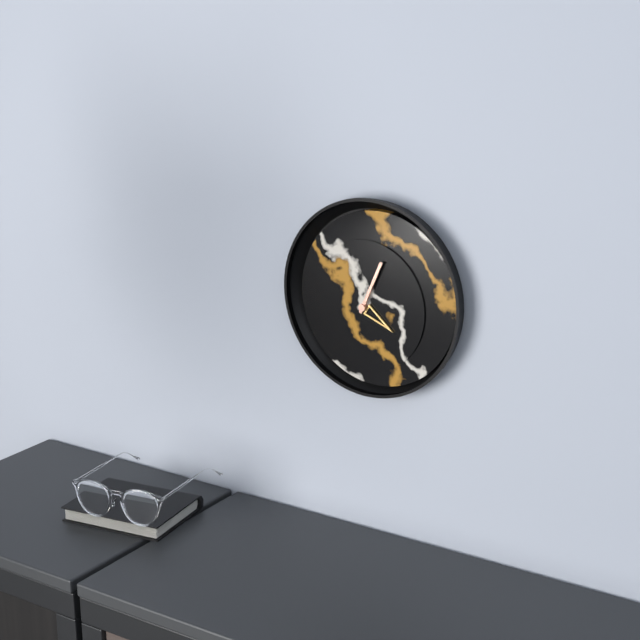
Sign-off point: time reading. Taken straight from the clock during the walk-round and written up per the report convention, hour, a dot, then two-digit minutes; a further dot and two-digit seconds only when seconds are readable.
4.04
